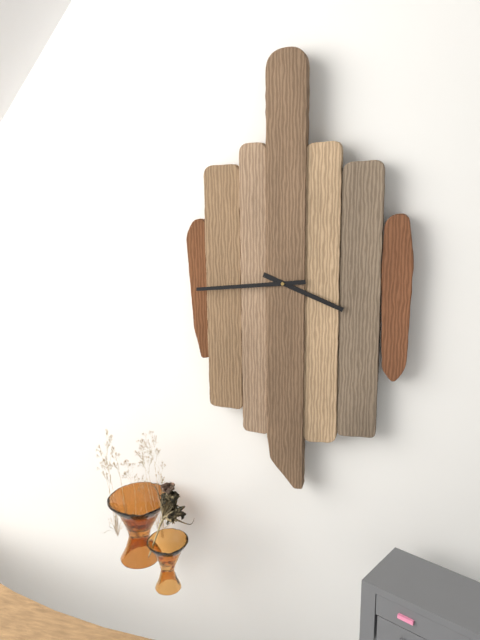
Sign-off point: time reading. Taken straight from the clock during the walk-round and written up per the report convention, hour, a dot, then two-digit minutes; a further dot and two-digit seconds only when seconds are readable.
3.44
